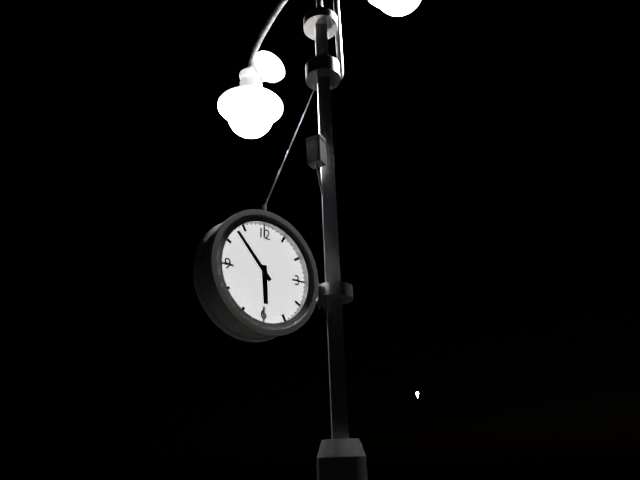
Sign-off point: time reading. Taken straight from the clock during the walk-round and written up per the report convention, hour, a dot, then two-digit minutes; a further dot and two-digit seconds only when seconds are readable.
5.53
